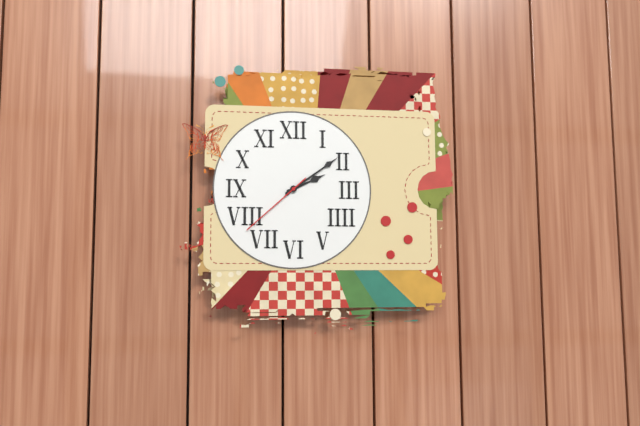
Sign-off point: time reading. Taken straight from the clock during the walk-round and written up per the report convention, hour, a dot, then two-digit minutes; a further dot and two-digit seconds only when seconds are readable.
2.09.38
